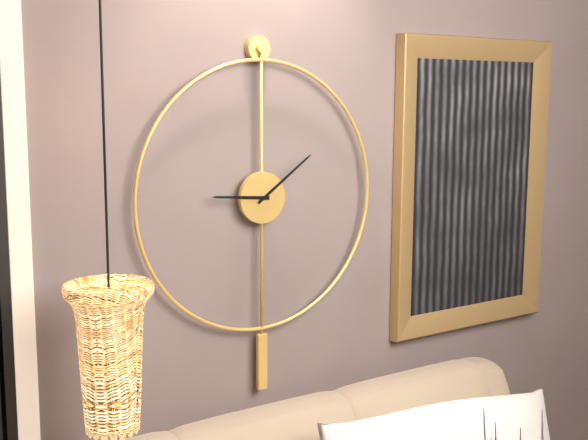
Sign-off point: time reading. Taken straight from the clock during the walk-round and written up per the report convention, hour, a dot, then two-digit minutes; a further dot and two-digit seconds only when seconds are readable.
9.09
